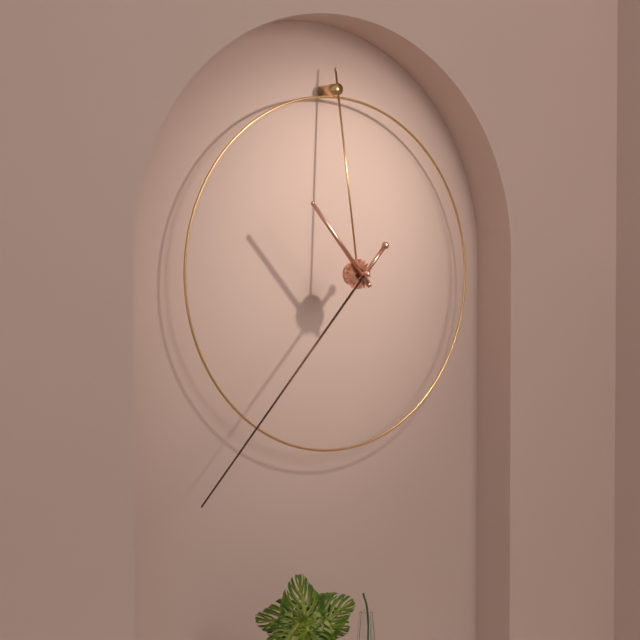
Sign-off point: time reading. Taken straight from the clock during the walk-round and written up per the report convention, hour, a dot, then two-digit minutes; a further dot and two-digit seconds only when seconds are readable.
10.37
